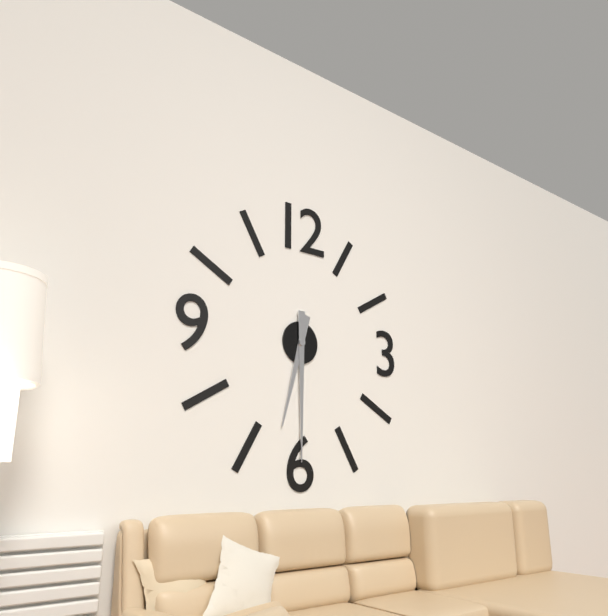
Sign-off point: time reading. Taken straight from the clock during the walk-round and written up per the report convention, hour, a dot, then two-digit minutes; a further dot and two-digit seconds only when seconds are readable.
6.30
